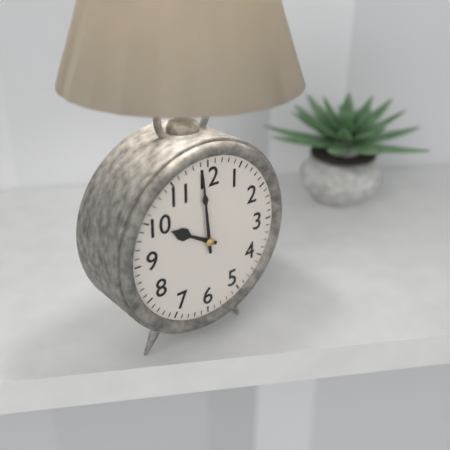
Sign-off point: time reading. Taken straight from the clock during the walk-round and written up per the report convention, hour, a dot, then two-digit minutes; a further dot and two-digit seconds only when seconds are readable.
9.59
